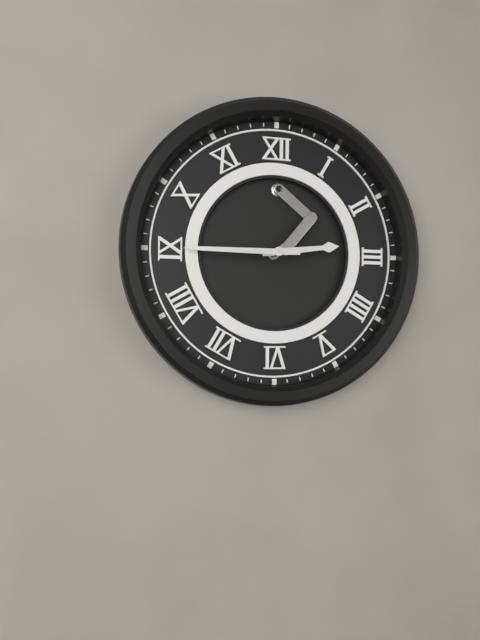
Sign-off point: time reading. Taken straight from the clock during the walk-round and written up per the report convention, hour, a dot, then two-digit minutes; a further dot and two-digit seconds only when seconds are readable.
2.45
